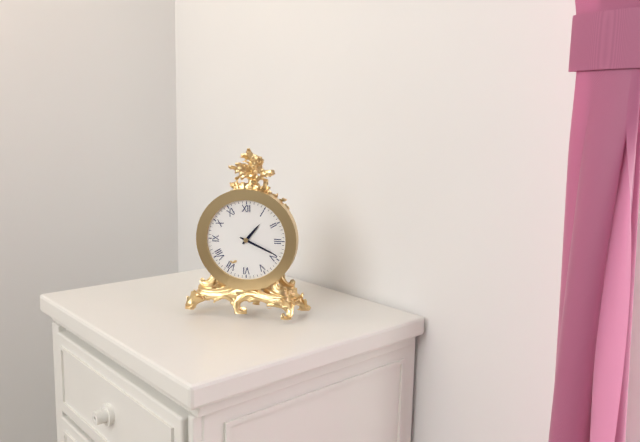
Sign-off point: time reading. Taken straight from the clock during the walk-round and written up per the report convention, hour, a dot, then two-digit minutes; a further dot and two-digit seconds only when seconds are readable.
1.19
